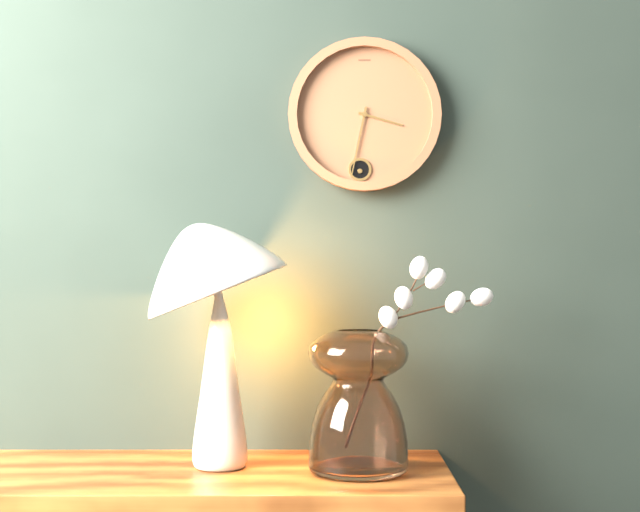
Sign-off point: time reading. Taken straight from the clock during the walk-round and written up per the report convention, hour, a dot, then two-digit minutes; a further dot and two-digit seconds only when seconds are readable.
3.32
